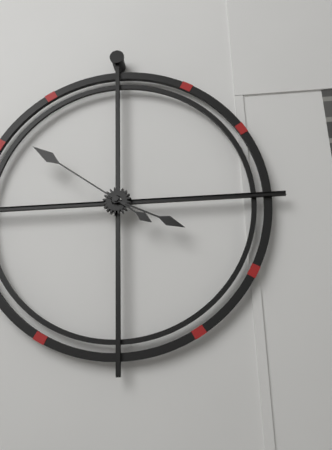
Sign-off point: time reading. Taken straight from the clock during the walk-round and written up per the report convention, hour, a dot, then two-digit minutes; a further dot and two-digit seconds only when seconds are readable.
3.51
